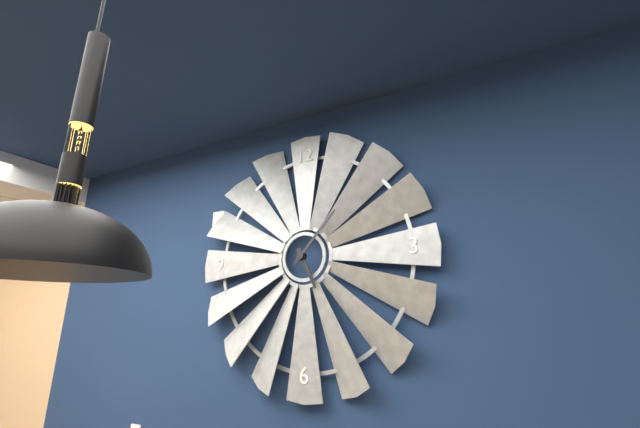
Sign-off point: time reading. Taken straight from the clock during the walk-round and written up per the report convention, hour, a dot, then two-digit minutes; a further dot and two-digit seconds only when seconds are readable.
5.07
